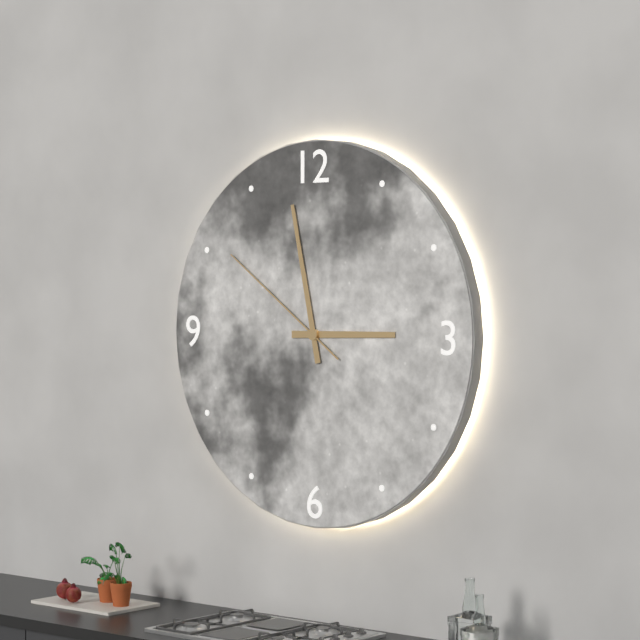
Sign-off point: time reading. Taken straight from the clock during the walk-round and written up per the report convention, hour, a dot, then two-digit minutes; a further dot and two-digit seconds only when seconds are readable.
2.58.51
